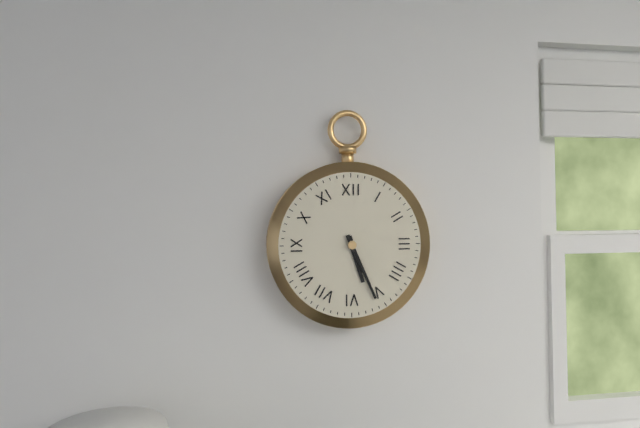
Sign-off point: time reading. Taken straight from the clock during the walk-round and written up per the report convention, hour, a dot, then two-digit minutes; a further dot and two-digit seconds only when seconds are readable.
5.26
